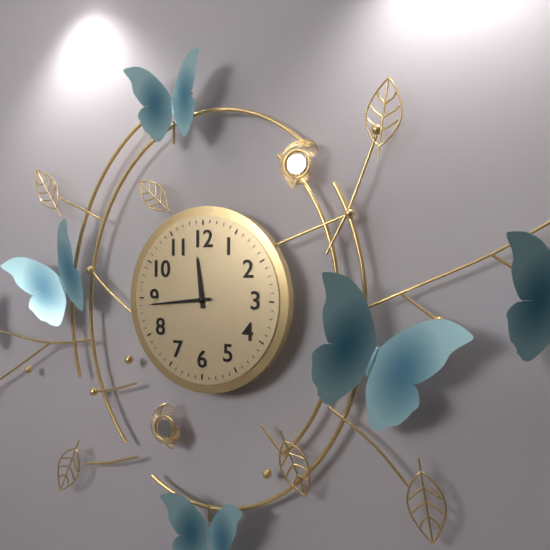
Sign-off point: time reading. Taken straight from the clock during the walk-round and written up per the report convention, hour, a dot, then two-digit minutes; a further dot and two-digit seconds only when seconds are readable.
11.44
